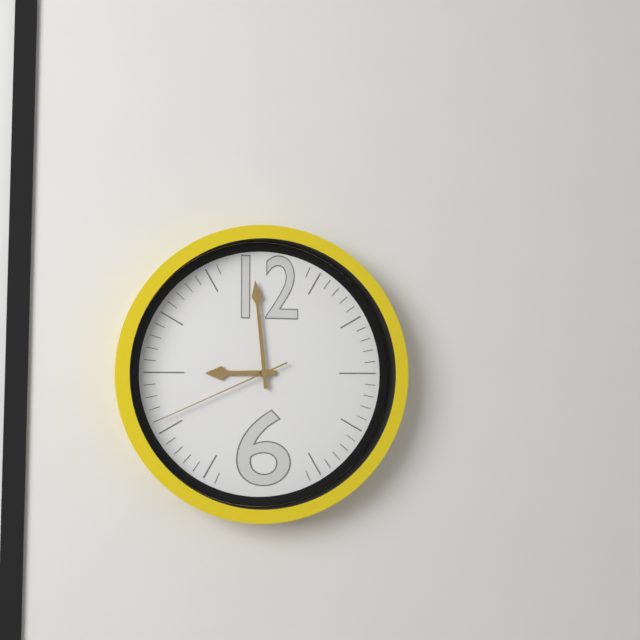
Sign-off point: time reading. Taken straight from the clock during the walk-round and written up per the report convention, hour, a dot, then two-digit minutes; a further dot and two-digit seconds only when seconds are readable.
8.59.41
